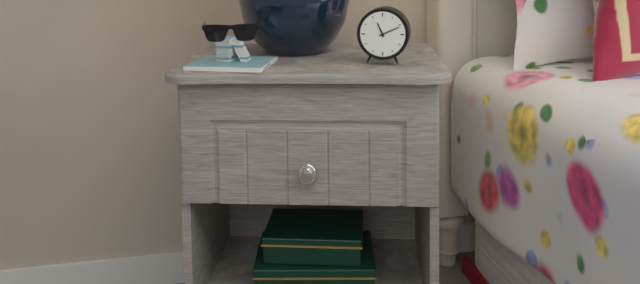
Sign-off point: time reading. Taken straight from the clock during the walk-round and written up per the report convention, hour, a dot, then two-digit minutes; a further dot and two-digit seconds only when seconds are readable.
11.11
